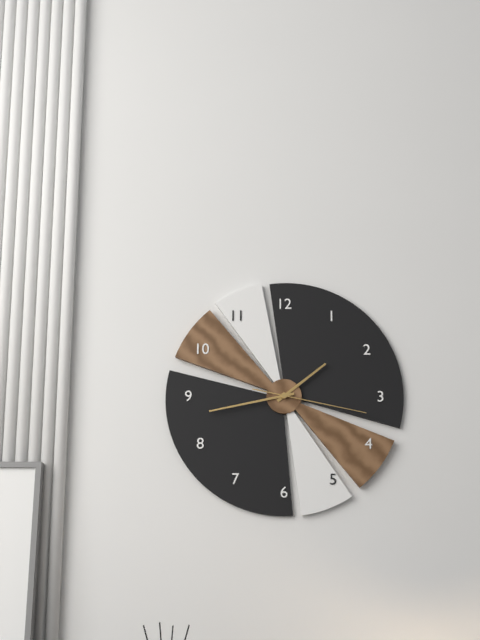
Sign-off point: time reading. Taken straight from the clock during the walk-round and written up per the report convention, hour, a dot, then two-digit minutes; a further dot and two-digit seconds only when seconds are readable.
1.43.17
